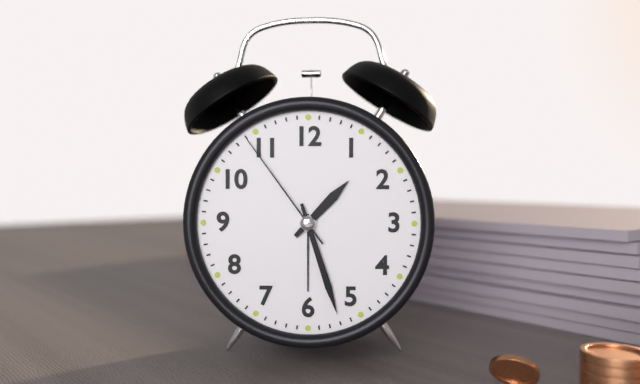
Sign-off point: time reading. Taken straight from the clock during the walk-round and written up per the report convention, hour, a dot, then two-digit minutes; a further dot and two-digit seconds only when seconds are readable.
1.27.54
